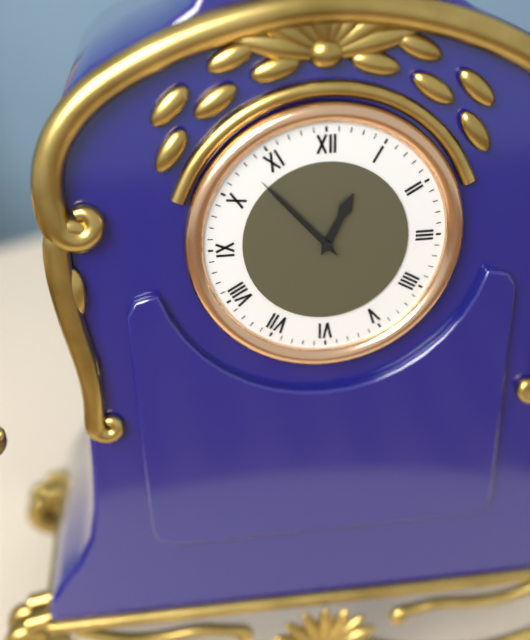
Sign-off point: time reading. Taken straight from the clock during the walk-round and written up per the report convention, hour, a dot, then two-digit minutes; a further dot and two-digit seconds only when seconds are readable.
12.53
